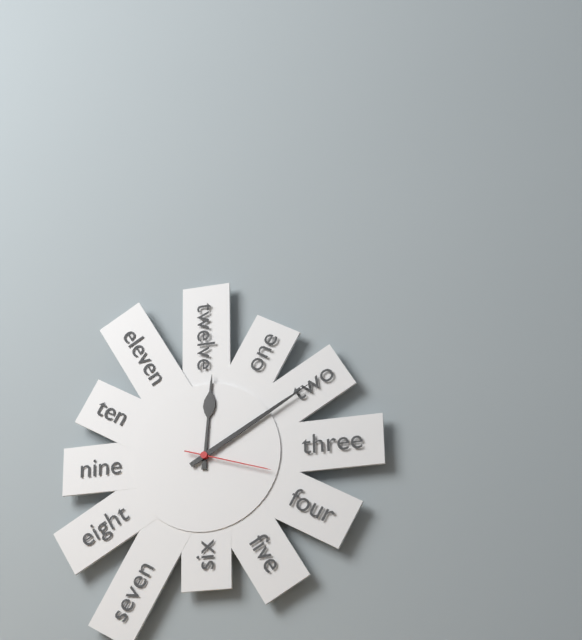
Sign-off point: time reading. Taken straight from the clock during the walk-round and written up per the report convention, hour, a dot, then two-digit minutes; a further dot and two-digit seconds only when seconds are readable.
12.10.18
